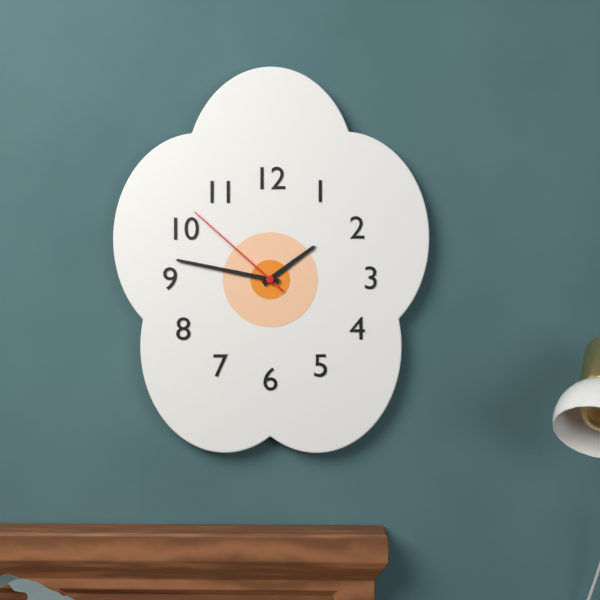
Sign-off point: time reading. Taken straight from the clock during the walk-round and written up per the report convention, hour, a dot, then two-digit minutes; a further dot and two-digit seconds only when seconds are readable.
1.47.52
